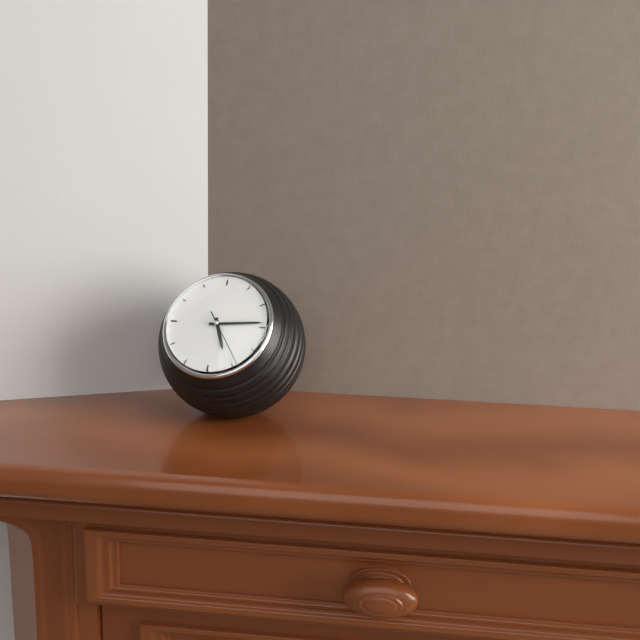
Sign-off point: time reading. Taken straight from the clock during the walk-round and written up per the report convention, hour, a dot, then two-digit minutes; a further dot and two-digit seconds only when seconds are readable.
5.14
